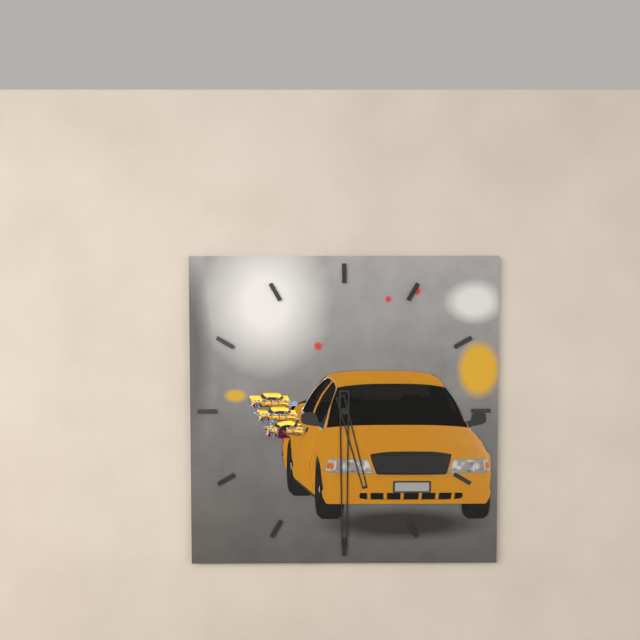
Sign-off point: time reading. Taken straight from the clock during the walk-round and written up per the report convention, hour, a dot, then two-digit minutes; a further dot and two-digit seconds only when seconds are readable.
5.30
